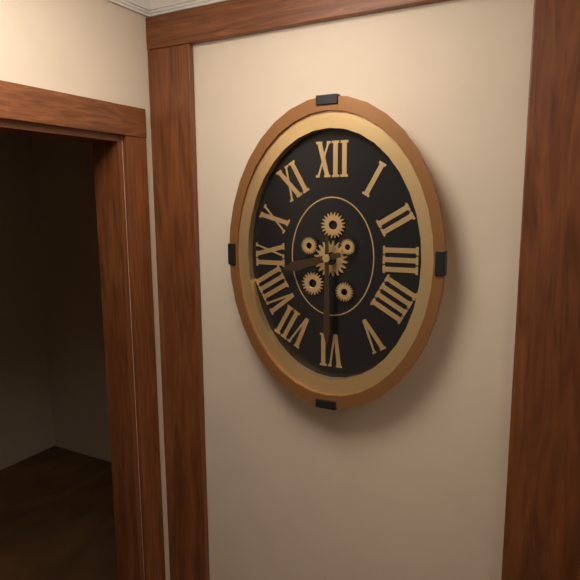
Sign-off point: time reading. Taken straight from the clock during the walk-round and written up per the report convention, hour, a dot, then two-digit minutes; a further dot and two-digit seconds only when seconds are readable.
8.30
